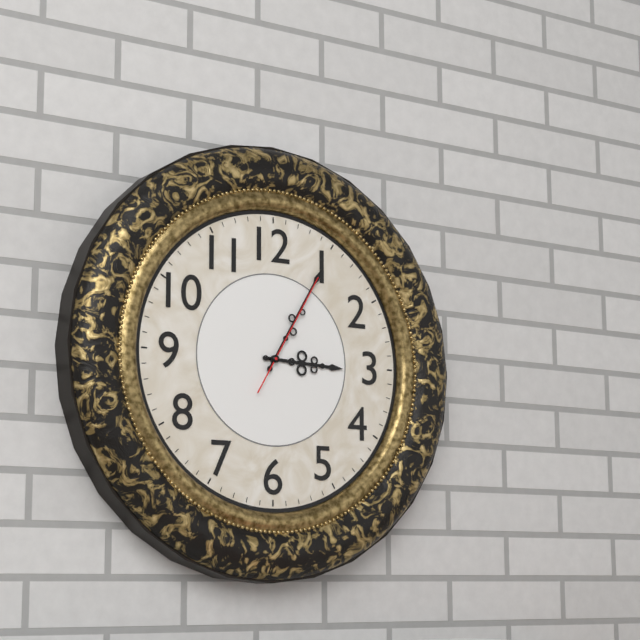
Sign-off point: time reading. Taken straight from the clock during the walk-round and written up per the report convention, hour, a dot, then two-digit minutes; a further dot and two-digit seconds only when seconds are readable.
3.05.05
